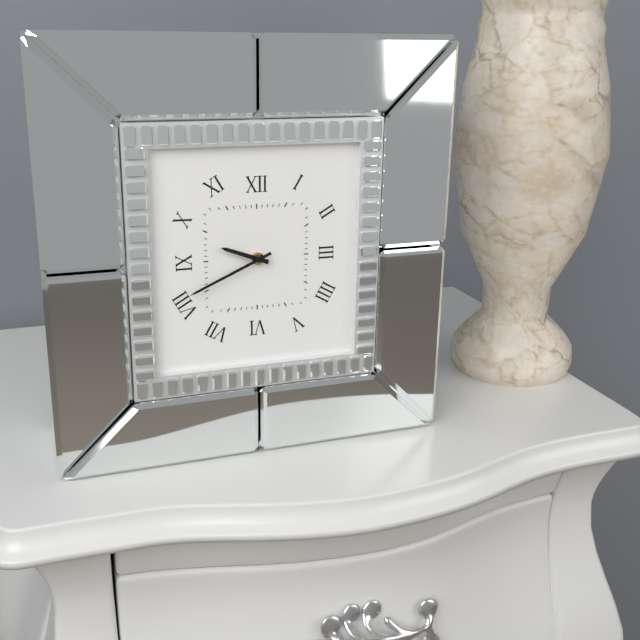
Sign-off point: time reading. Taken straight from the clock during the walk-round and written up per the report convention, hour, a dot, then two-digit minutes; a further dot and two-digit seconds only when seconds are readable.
9.41
